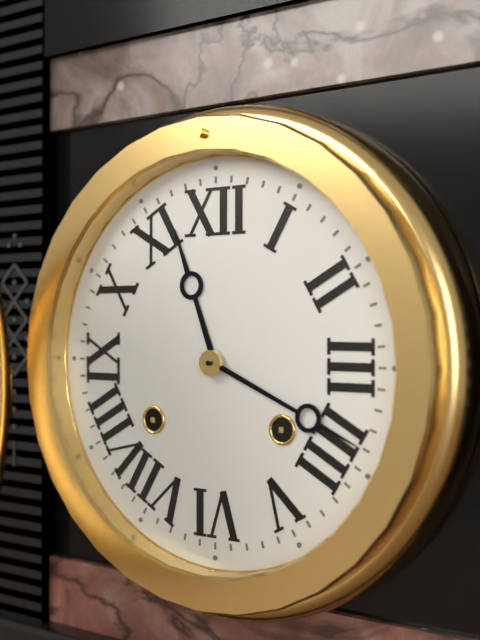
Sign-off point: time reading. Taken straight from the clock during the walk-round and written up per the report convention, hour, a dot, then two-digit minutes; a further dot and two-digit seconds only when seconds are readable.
11.19
